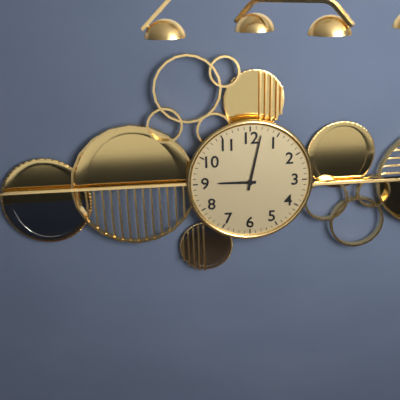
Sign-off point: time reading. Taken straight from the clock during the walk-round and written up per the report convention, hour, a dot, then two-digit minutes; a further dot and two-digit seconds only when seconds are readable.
9.02
